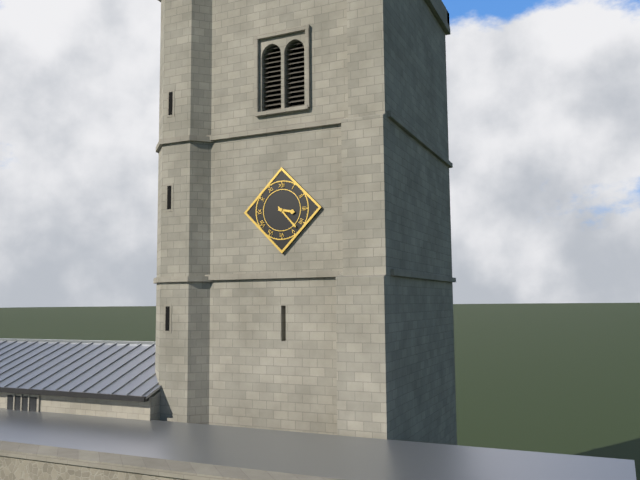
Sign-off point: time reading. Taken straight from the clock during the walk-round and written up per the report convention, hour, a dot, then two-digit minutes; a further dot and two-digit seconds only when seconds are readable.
3.23
